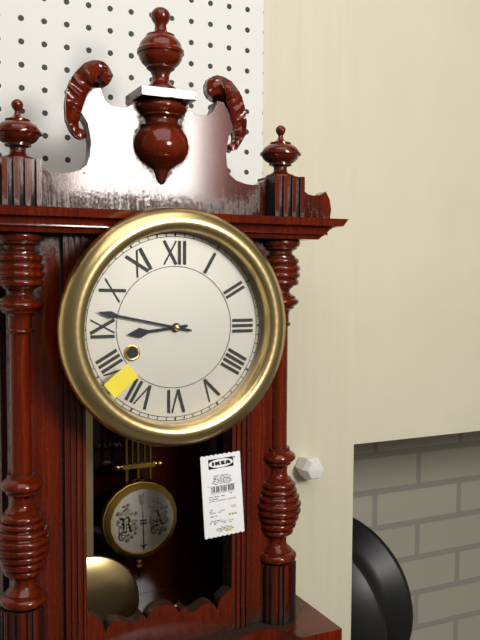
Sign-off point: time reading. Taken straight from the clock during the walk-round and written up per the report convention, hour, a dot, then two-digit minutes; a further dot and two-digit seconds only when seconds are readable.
8.47
